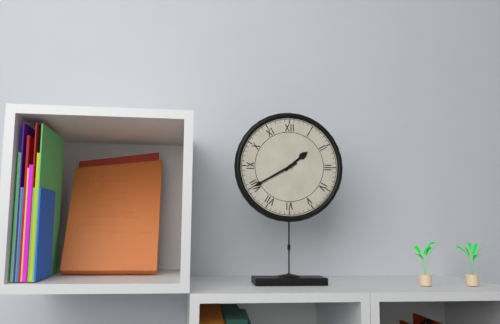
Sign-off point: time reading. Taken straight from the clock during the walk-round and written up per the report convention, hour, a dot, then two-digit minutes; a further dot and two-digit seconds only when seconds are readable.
1.40
